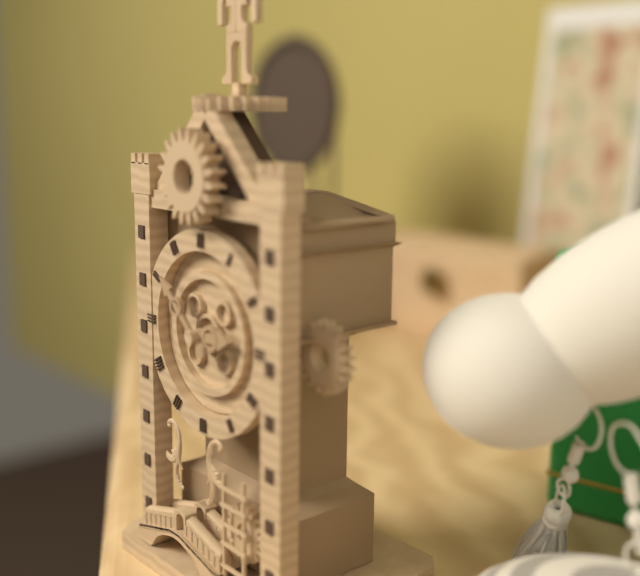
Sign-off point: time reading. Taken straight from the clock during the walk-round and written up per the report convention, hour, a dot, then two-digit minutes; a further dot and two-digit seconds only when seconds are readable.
2.52
